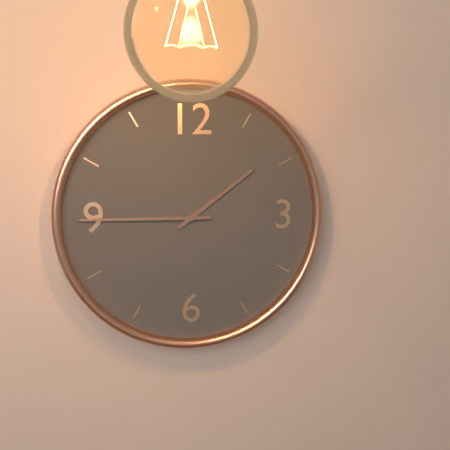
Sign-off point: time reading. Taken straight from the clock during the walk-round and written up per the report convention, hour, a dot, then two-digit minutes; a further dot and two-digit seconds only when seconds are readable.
1.45
